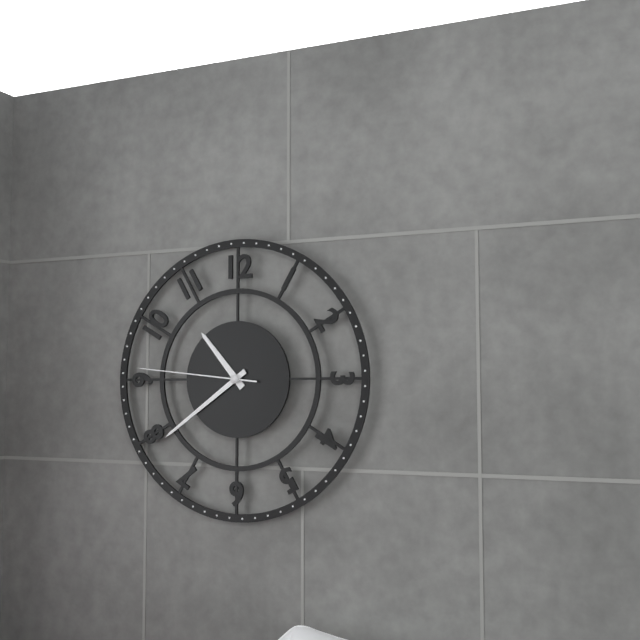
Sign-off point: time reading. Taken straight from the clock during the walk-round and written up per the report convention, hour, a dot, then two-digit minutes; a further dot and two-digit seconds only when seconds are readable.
10.39.46
